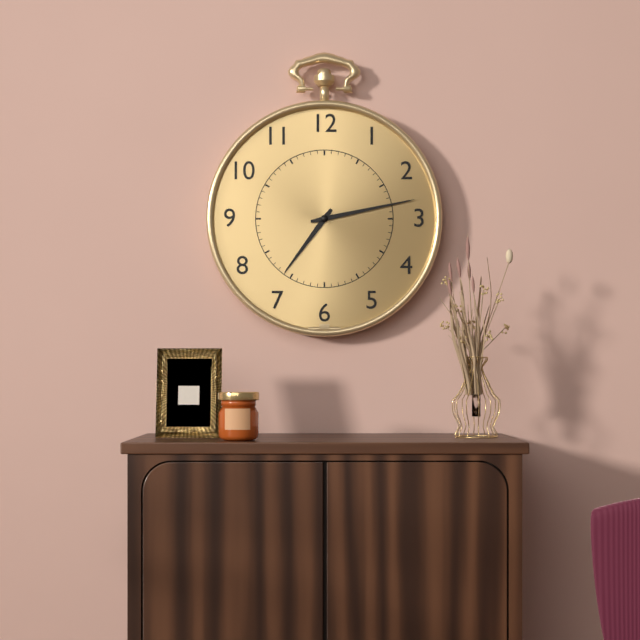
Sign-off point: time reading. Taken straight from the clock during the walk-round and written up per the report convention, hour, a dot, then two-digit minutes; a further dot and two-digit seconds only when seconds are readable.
7.13
